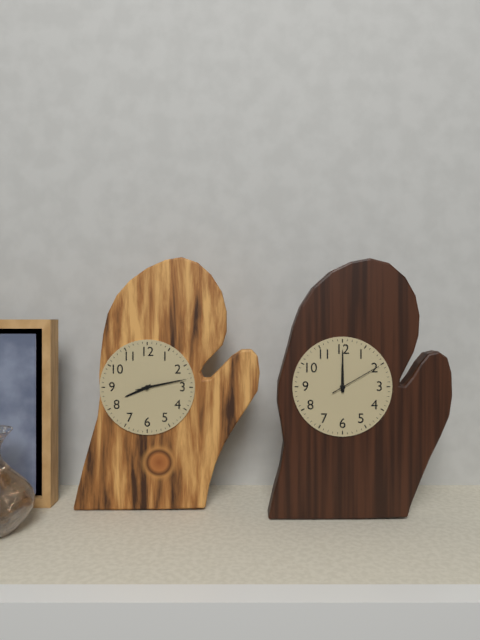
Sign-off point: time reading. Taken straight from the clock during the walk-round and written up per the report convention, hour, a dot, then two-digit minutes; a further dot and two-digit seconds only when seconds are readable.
8.13.13
